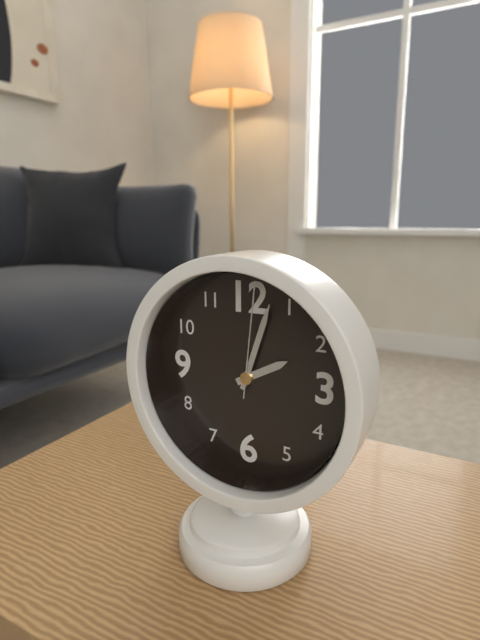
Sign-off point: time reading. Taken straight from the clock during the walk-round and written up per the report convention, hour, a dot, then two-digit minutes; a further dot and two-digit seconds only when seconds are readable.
2.03.01
